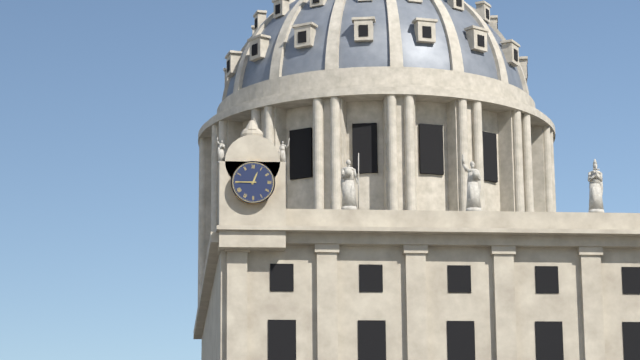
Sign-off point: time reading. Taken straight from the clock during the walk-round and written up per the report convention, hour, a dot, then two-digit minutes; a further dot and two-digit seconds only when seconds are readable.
12.45
